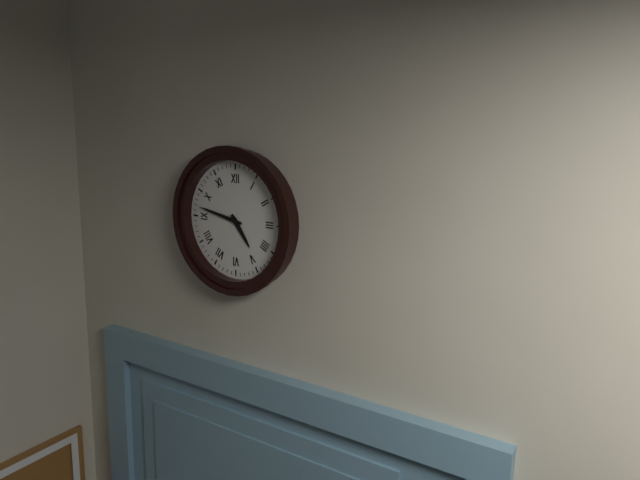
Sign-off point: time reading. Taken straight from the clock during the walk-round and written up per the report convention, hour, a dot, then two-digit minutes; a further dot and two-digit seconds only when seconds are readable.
4.47
